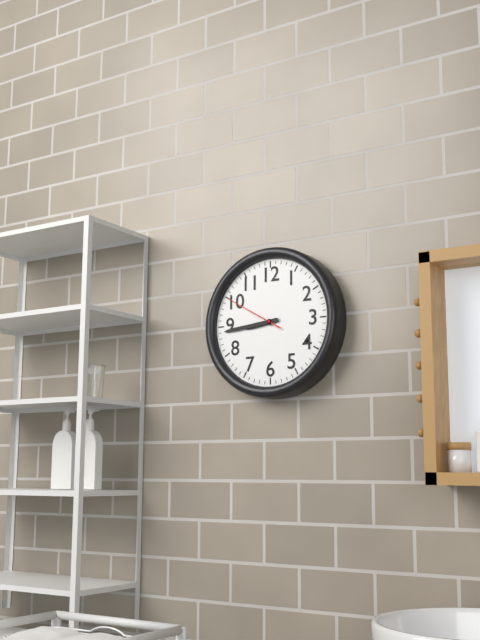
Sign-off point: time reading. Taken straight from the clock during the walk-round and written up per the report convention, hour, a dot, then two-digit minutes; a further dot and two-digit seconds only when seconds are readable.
8.44.50
